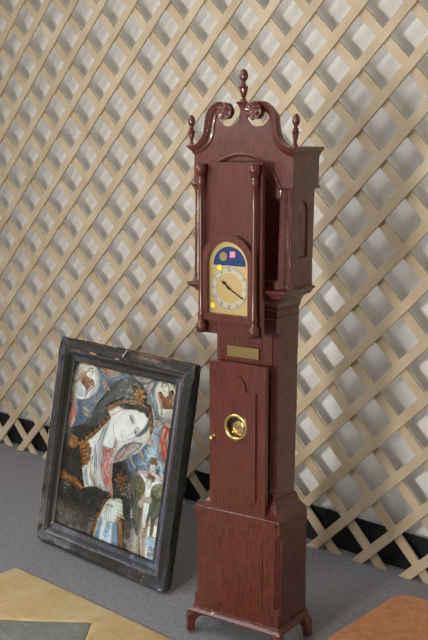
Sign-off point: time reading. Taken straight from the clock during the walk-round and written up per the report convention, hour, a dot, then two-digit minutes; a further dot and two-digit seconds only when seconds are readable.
10.20
